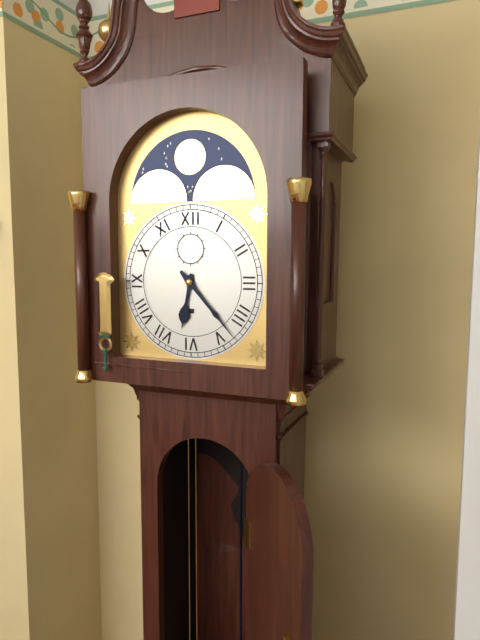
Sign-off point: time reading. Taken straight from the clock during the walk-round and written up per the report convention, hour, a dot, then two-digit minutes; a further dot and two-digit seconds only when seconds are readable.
6.23
